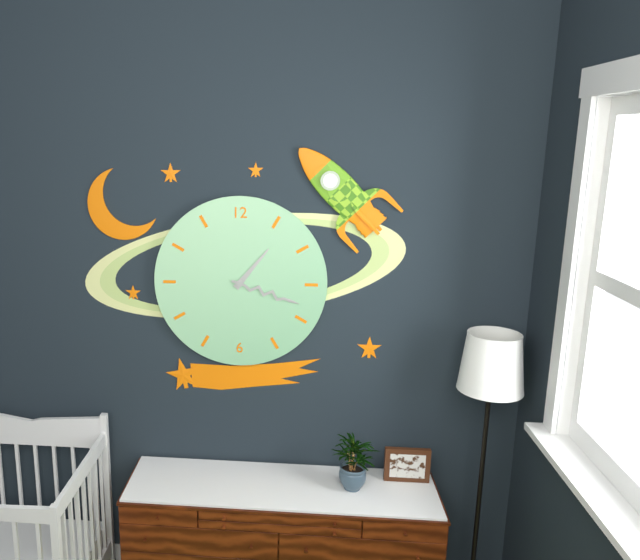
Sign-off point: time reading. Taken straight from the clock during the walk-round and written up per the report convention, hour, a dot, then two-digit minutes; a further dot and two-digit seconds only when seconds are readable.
1.18
